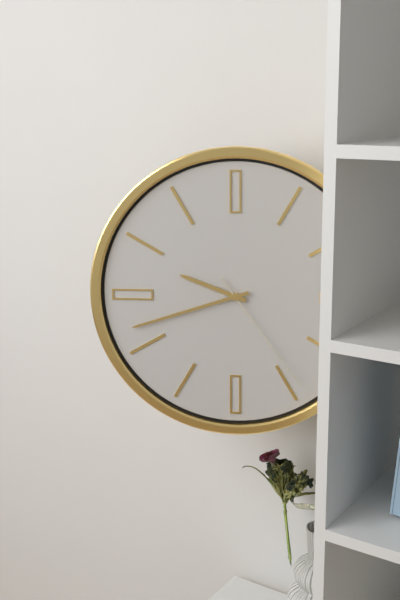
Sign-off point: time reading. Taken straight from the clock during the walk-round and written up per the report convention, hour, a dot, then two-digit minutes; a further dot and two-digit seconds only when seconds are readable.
9.42.24
